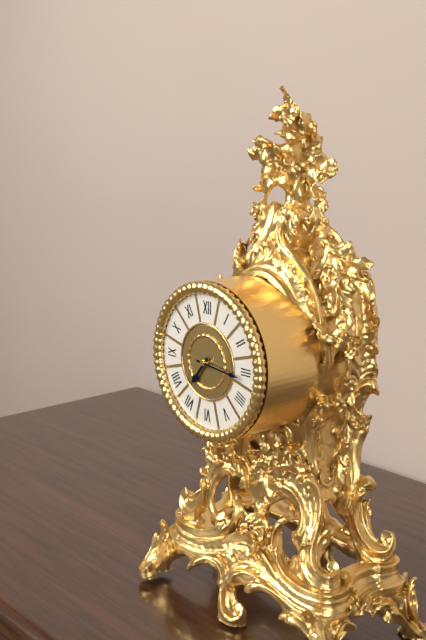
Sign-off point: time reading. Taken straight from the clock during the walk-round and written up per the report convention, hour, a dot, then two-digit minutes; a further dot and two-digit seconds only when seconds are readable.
7.16
